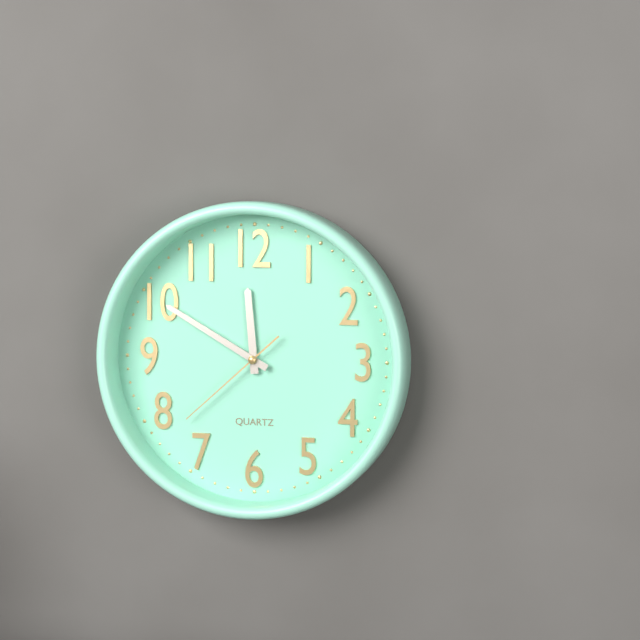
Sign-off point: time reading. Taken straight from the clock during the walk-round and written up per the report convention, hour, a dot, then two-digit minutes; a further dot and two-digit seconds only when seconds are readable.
11.50.38
